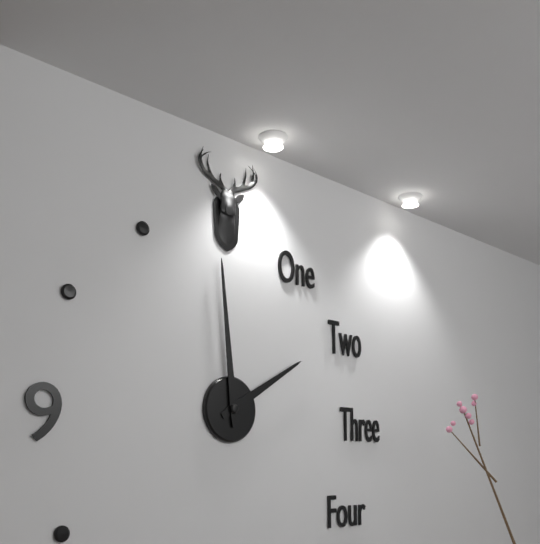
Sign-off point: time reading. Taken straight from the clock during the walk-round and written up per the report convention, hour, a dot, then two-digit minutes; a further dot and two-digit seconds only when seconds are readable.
1.59
